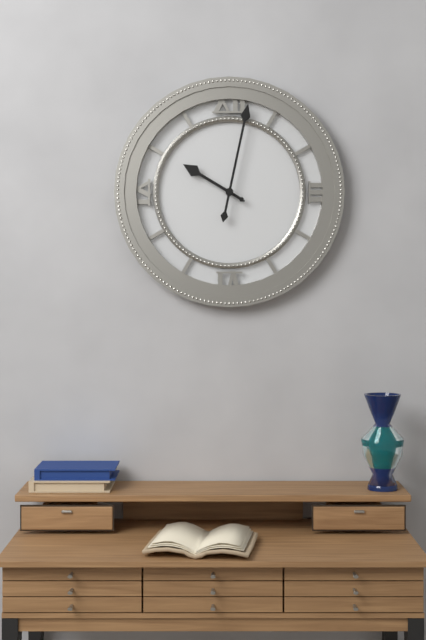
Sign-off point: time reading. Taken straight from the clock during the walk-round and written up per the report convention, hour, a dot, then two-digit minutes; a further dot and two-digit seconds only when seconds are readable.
10.02
